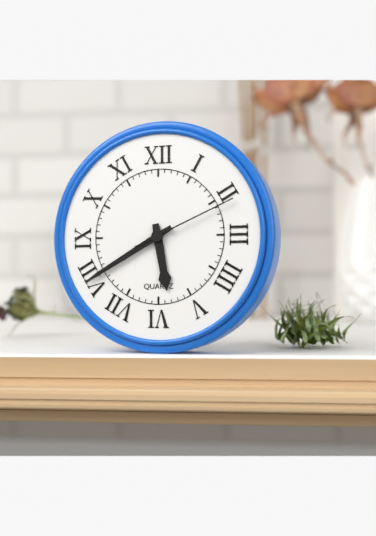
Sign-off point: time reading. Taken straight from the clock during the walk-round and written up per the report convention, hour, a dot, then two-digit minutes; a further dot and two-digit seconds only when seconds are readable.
5.40.11
